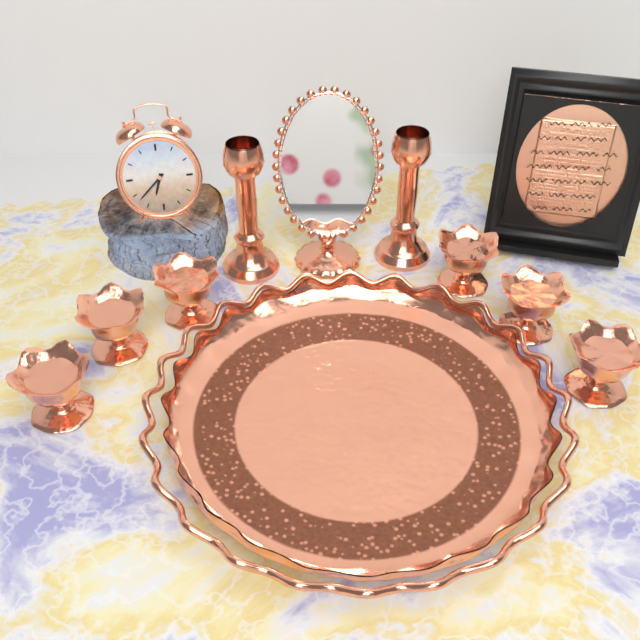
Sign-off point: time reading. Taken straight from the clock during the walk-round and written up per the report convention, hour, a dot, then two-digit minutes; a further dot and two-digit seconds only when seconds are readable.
6.38
